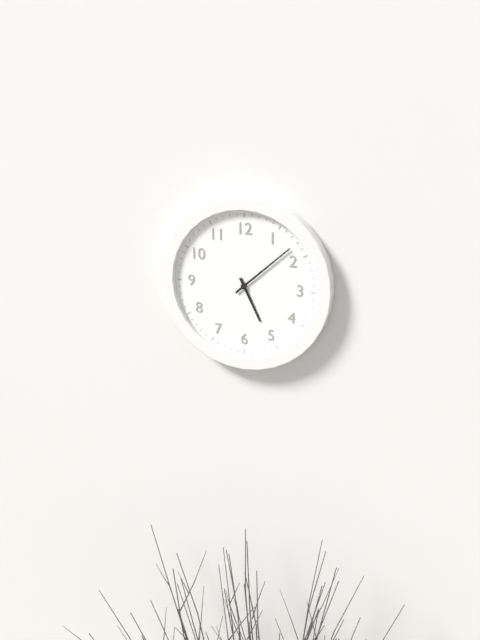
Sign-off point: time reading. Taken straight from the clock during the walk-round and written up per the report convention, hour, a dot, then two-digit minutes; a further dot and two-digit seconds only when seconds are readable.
5.08
